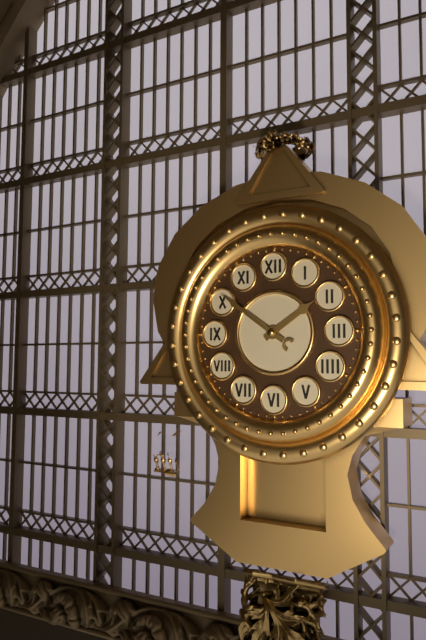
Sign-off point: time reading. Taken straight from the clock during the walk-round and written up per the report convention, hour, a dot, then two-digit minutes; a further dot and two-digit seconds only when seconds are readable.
1.51
